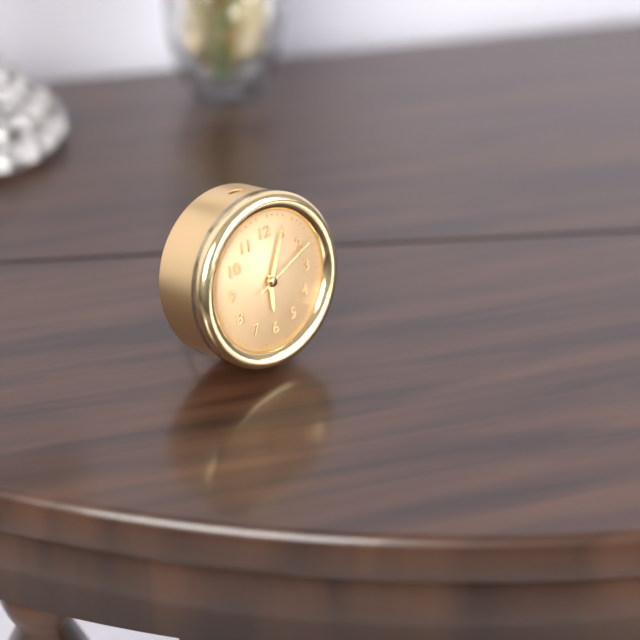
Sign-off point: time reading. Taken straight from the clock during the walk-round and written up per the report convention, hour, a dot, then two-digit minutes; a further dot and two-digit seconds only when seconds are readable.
6.04.11
